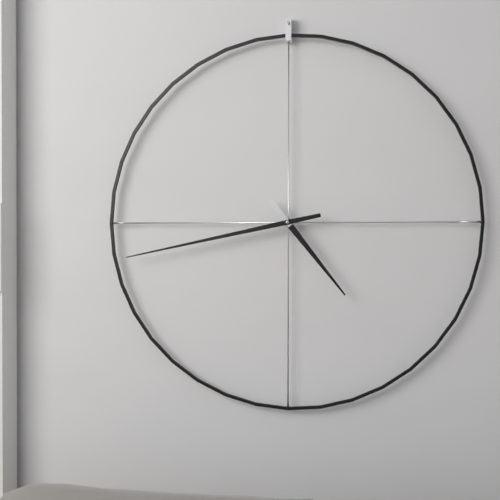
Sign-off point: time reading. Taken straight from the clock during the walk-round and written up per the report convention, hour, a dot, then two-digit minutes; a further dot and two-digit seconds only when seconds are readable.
4.43
